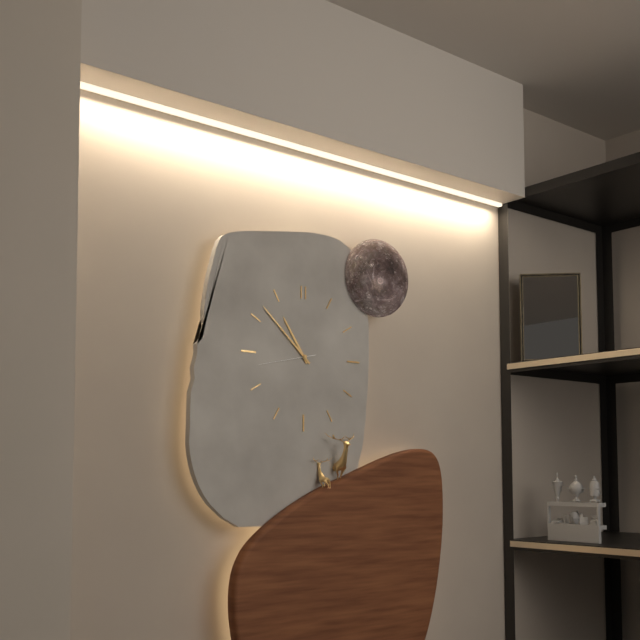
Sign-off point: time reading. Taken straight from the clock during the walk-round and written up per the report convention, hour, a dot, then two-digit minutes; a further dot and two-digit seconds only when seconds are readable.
10.52.43
